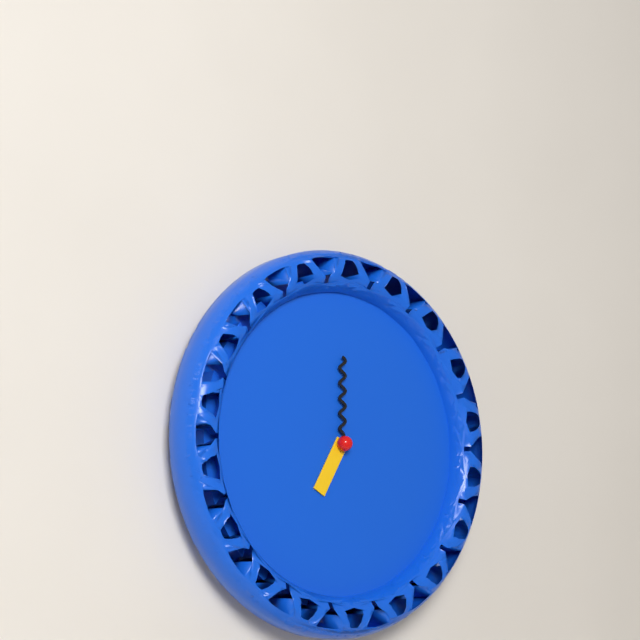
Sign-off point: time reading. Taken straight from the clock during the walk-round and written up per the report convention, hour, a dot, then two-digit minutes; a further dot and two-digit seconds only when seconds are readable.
7.00
